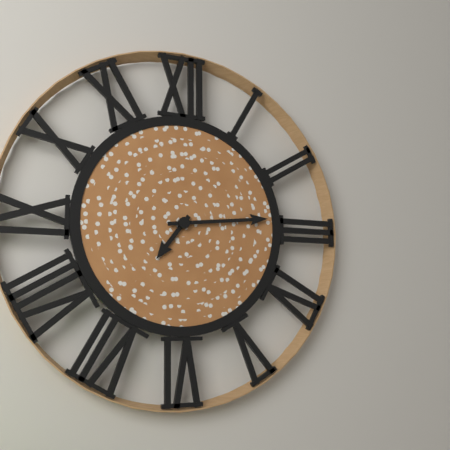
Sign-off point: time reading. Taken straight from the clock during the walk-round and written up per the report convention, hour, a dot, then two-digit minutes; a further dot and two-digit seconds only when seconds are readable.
7.14
